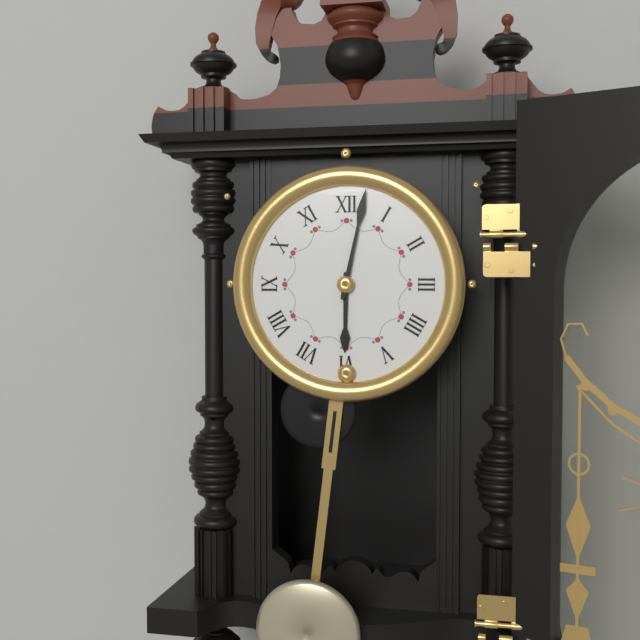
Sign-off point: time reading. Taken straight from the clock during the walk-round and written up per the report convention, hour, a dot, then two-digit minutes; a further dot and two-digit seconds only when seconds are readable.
6.02
